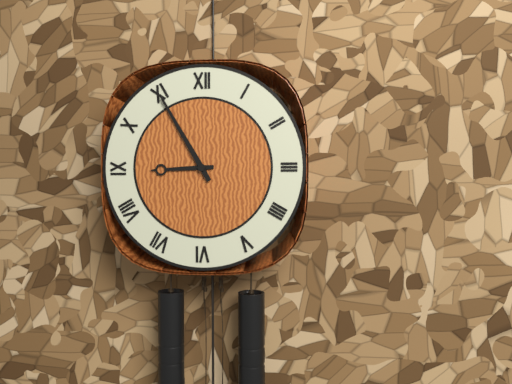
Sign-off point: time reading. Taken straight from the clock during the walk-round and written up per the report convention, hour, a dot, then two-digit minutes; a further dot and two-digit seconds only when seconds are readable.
8.55
